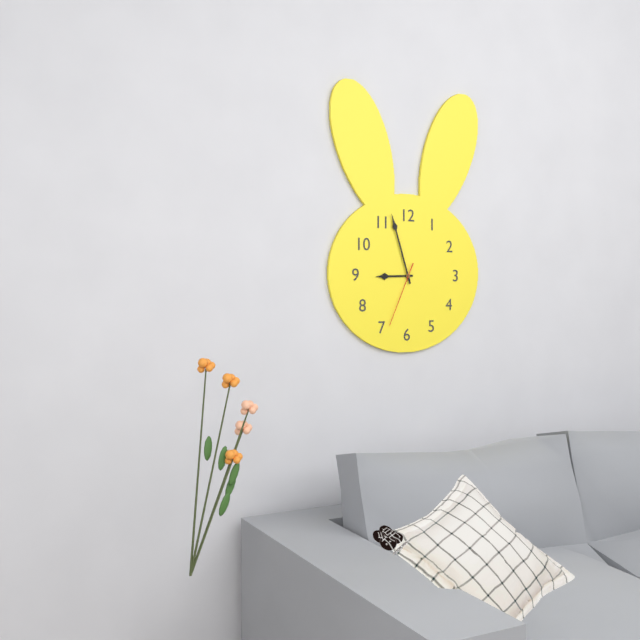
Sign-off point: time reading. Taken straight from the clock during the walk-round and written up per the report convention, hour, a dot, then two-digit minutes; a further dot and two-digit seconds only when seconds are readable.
8.57.34
